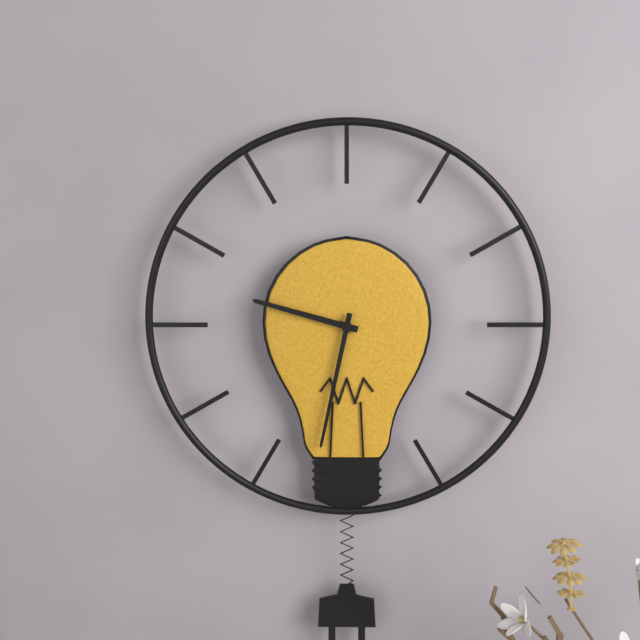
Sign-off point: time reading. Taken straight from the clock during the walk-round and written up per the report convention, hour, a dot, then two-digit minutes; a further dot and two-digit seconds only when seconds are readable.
9.32
